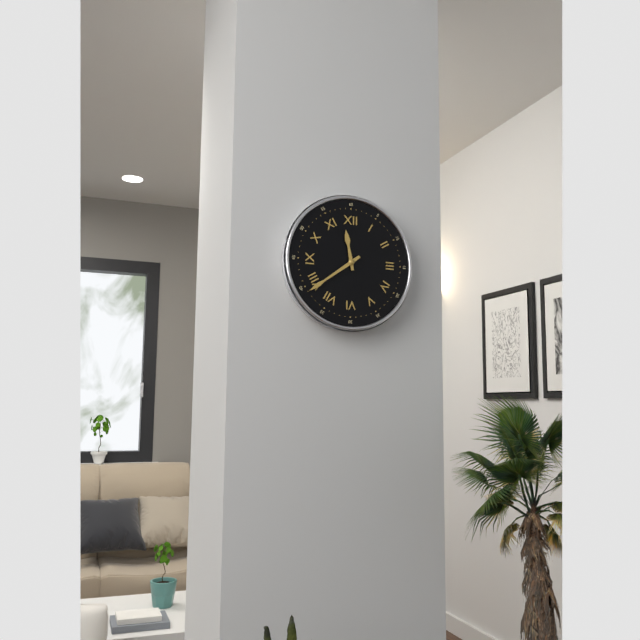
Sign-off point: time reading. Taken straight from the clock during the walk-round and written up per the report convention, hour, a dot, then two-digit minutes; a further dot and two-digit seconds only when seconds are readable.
11.39
